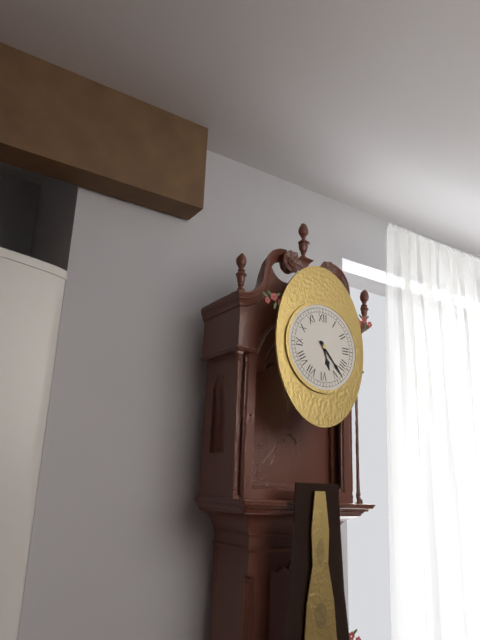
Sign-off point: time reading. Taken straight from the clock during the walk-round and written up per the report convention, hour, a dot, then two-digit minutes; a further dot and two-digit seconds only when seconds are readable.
5.23
